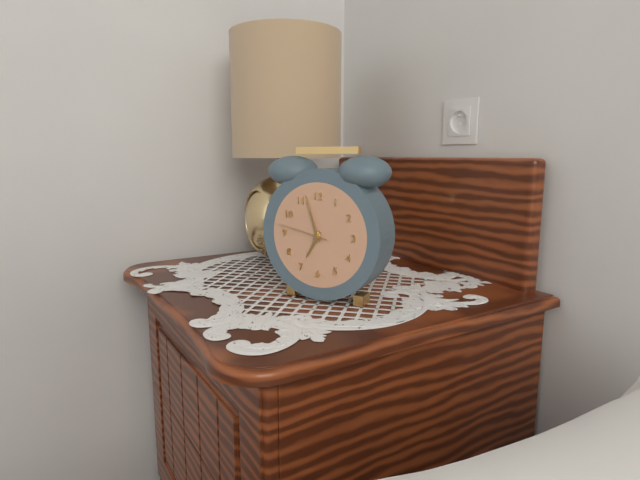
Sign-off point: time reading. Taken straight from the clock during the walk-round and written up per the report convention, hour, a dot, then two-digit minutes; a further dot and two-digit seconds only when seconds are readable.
6.57.47
